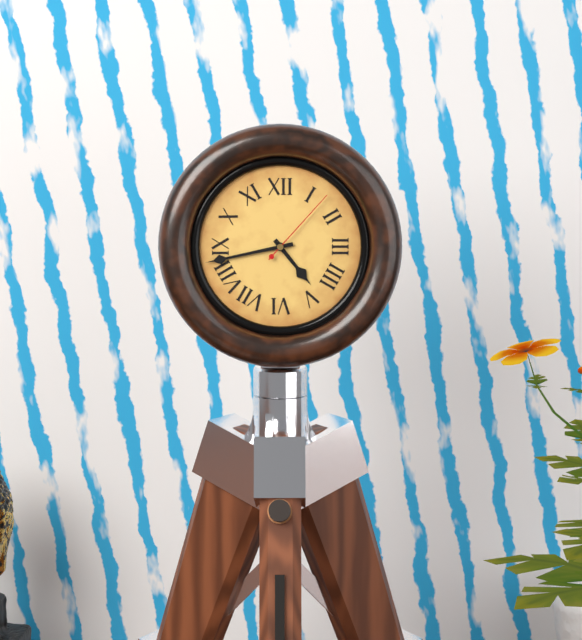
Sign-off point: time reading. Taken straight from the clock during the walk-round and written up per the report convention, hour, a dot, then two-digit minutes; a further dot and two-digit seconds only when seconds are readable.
4.43.07
